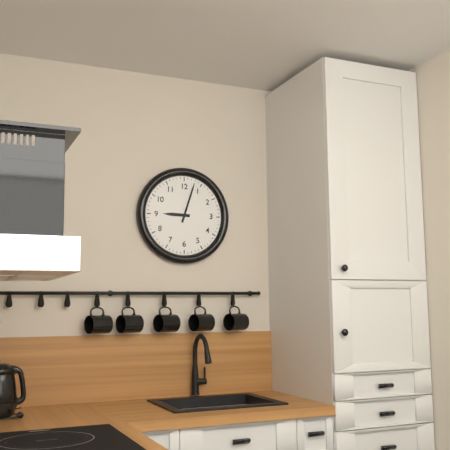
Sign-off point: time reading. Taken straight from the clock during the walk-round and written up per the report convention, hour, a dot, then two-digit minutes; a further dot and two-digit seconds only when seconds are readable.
9.03
